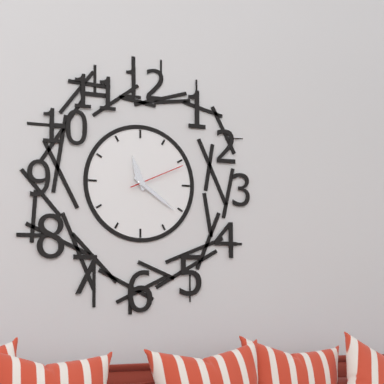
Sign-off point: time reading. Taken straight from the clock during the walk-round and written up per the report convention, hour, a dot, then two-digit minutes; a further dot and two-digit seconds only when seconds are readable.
11.21.11
